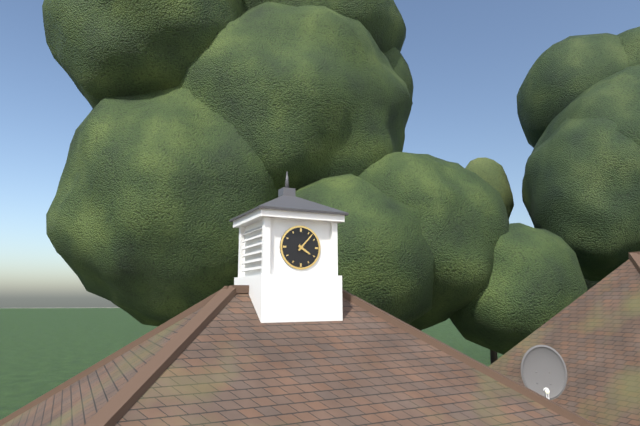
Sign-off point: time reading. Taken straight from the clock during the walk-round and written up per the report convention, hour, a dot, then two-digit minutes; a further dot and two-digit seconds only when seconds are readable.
4.07
